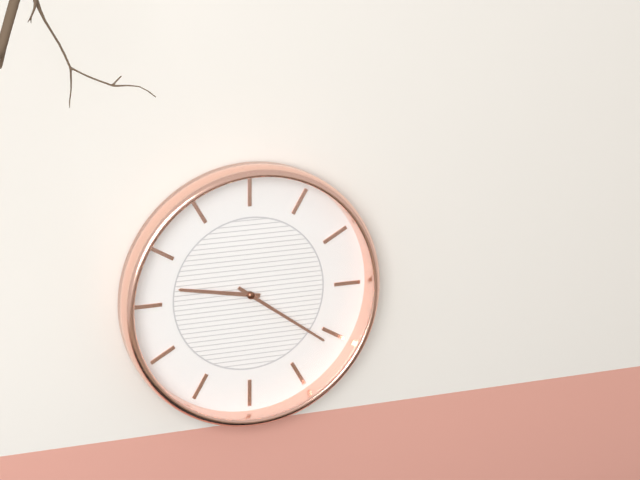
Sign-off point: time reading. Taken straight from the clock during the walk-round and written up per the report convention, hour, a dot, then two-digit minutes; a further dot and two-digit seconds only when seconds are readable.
9.21
